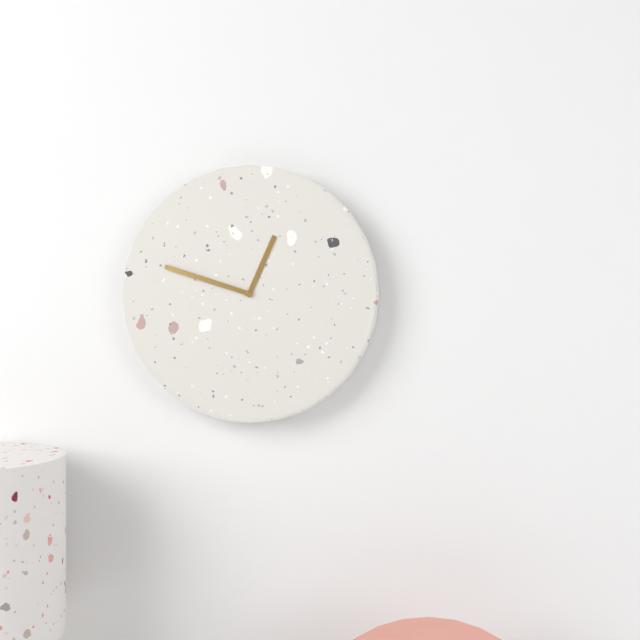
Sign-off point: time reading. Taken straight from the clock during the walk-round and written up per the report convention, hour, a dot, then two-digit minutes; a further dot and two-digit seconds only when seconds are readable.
12.48
